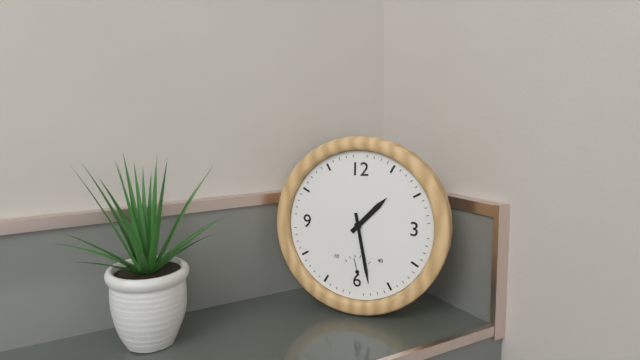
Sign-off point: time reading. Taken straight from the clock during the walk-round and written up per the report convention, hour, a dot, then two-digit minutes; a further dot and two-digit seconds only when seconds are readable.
1.28
